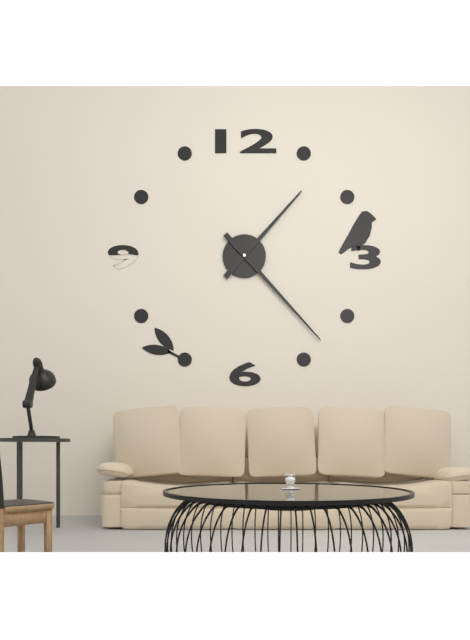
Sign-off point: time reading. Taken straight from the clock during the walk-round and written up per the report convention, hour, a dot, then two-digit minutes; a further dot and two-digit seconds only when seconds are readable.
1.23
